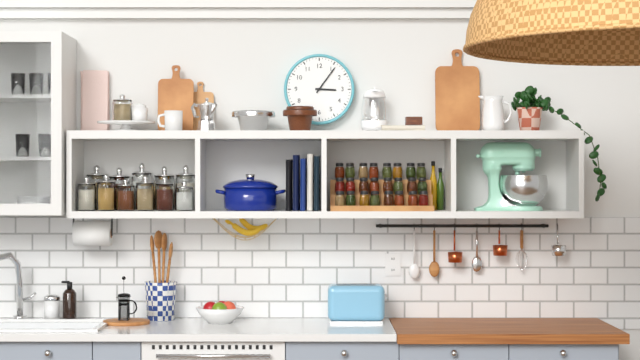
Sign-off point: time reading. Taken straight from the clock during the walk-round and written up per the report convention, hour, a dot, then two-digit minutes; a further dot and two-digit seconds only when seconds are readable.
3.06
